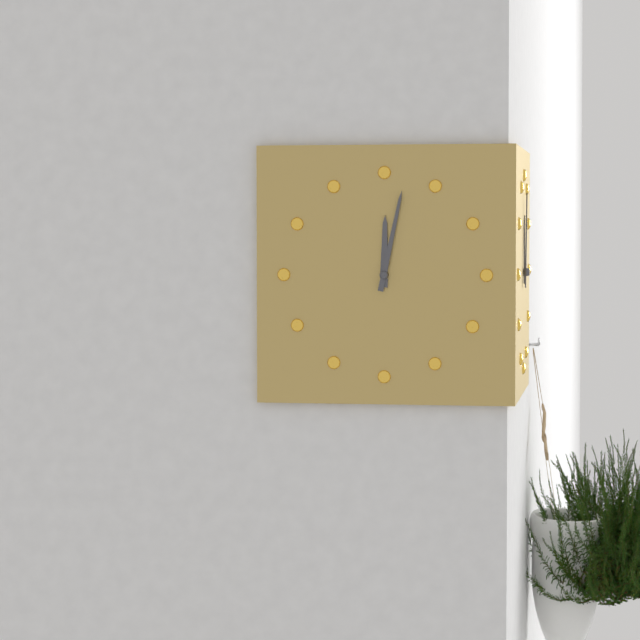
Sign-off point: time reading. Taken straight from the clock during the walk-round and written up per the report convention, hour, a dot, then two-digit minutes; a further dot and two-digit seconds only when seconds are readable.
12.02
